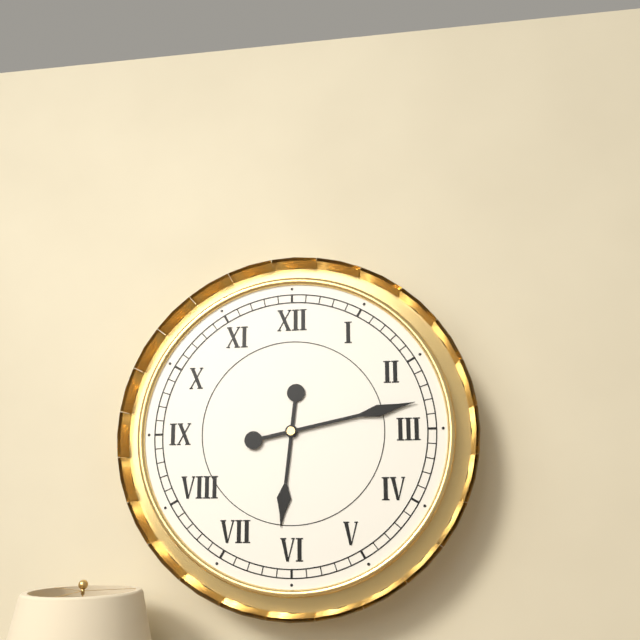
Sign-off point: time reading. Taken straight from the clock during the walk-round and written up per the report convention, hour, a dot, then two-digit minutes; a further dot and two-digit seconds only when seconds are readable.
6.13
